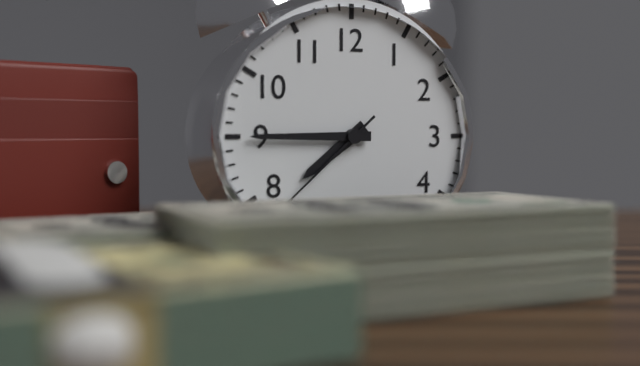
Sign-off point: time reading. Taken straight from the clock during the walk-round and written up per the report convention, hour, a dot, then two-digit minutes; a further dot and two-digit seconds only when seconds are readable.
7.45.38
